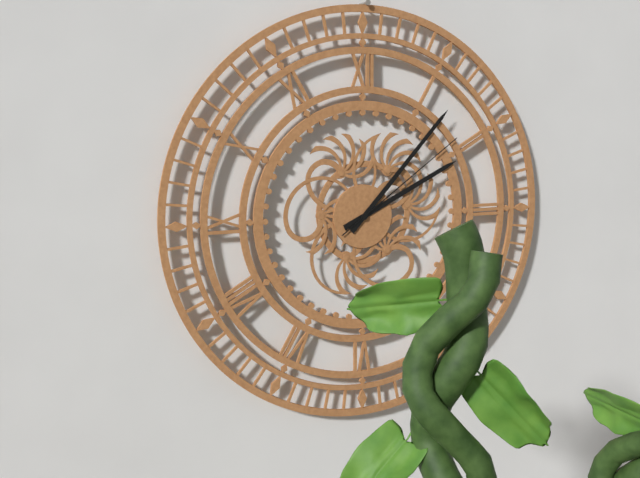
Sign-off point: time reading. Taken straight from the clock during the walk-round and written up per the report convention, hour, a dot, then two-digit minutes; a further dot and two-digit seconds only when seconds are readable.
2.07.09
